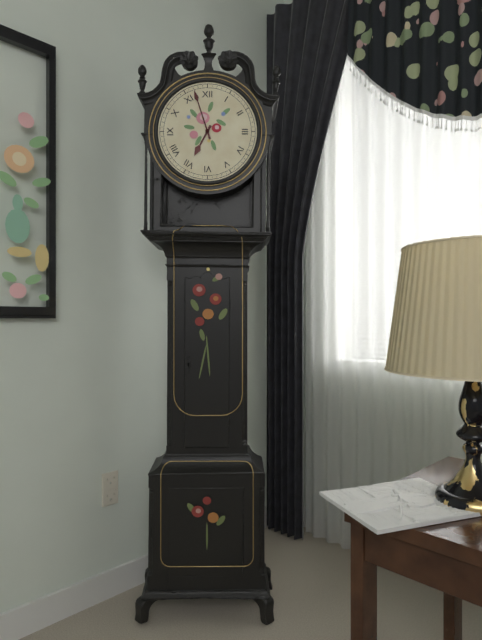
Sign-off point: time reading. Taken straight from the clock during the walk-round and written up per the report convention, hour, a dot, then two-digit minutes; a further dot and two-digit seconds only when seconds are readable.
6.57
